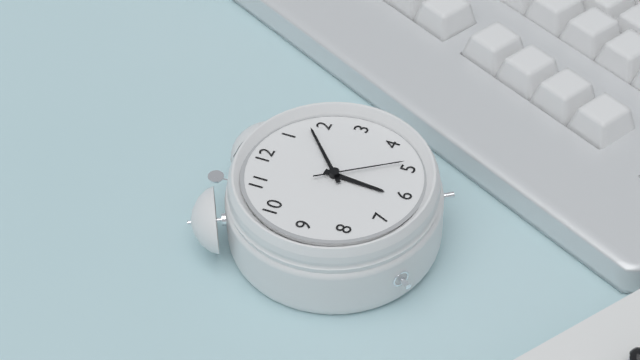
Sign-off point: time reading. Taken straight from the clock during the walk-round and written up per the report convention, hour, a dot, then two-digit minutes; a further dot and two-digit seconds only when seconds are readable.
6.08.24
